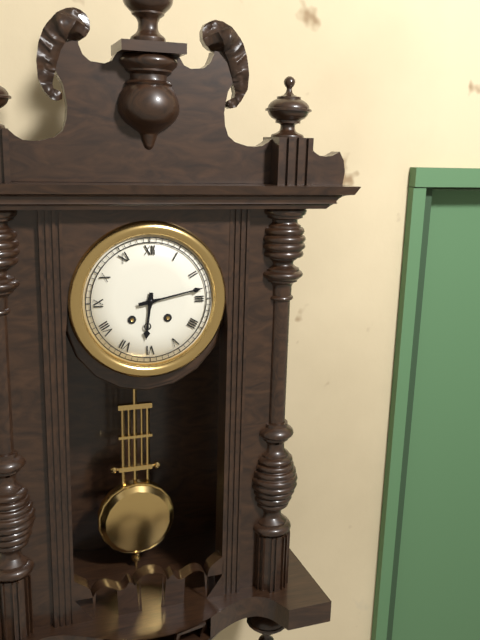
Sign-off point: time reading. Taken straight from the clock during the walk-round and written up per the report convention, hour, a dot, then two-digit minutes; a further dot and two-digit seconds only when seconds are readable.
6.13
